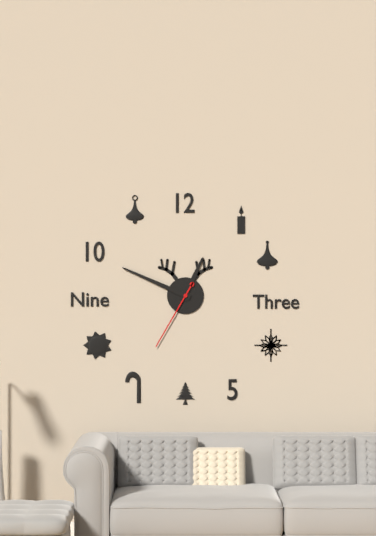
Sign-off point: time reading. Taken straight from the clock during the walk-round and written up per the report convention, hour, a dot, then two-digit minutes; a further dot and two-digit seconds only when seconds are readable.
12.49.35
